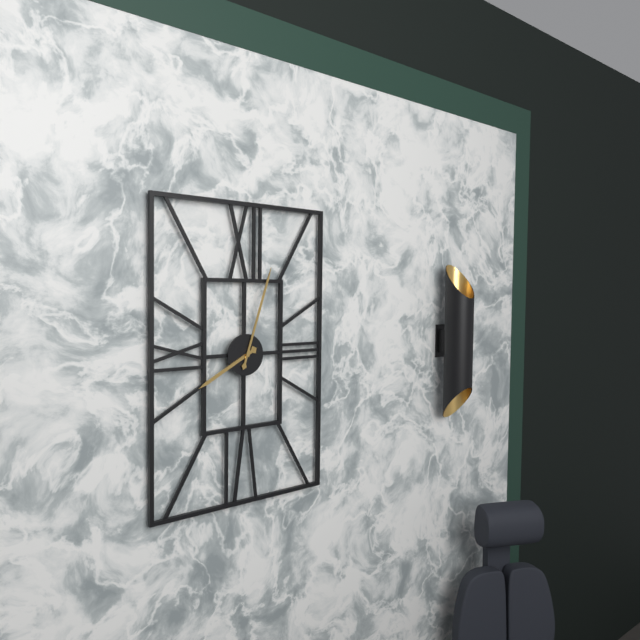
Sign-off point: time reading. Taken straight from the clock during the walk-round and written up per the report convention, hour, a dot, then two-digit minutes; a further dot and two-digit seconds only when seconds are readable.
8.03
